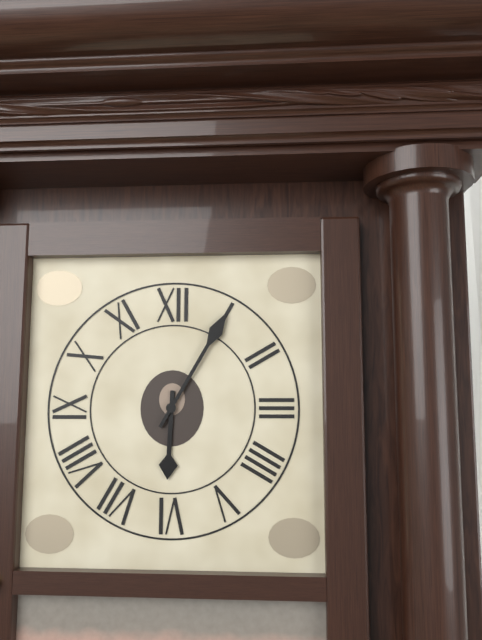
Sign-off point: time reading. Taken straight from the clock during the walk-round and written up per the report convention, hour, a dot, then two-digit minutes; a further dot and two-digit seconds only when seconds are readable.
6.05
